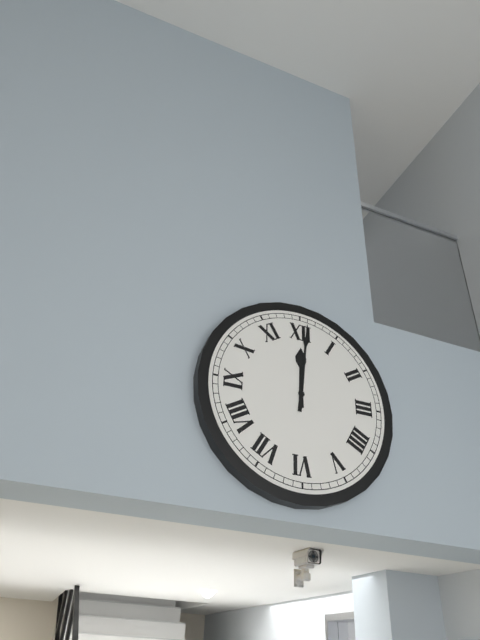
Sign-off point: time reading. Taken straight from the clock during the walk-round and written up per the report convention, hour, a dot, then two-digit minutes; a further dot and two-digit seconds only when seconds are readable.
12.01
